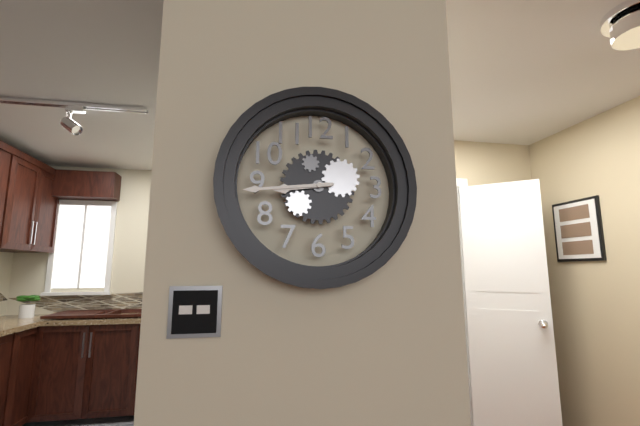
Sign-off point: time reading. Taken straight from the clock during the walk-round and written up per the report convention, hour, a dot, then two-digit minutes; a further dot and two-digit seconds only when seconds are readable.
8.44
